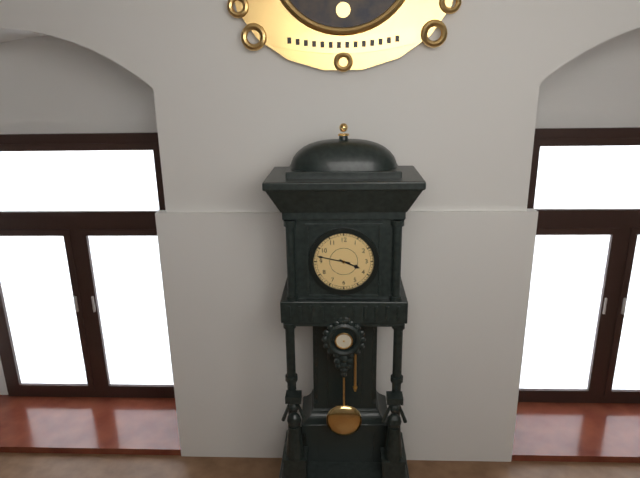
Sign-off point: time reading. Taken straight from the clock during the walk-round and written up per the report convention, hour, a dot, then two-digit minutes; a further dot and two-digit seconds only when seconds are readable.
3.47
